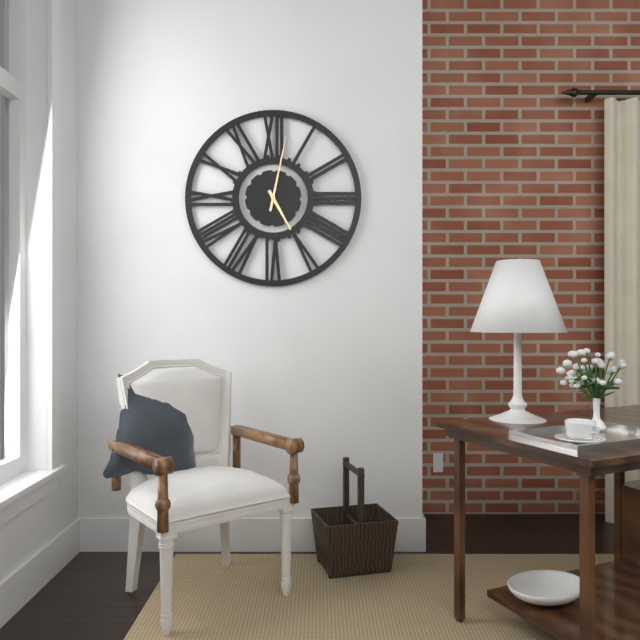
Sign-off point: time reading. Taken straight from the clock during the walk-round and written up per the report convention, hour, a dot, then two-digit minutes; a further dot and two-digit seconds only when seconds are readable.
5.02
